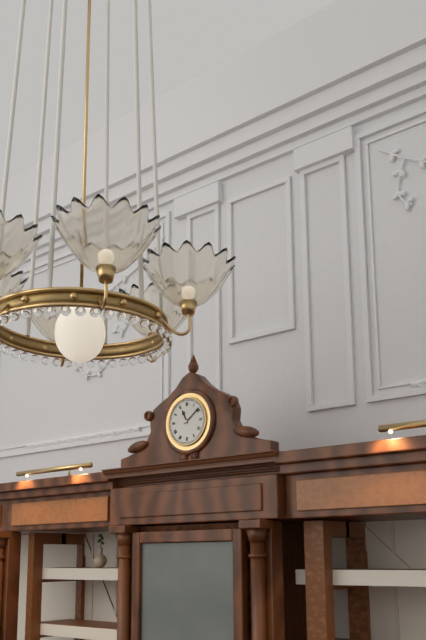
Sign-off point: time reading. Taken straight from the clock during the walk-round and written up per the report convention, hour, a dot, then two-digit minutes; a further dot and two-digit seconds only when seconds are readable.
11.09
